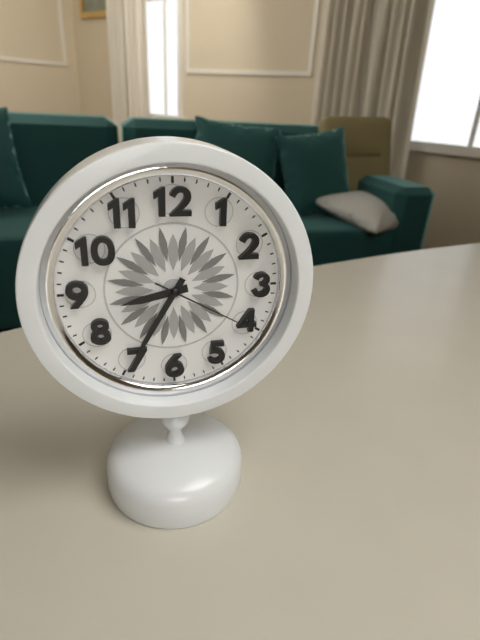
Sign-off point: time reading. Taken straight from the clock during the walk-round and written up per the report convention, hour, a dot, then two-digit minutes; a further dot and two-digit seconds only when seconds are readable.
8.35.20
